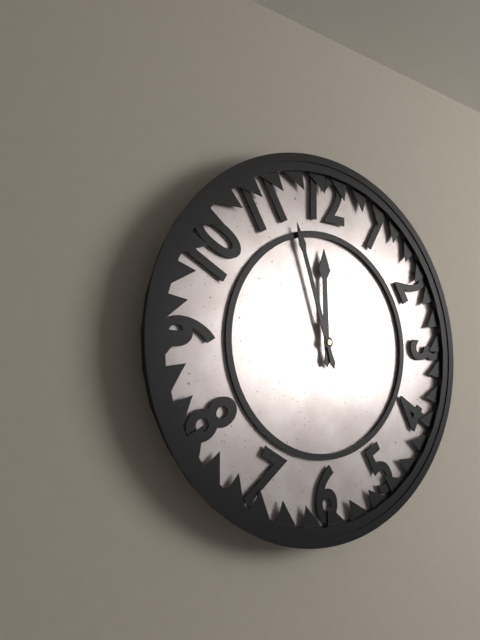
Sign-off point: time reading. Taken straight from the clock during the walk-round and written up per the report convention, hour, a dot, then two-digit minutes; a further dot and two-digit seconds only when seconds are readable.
11.57
